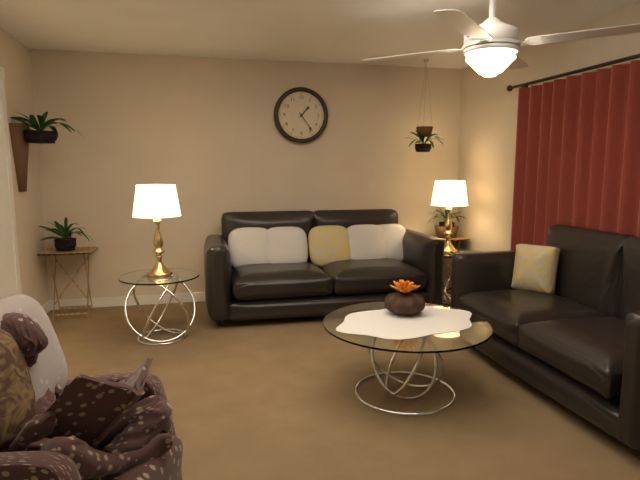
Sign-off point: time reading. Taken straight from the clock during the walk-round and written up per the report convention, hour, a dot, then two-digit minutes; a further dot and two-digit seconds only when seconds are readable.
1.24
